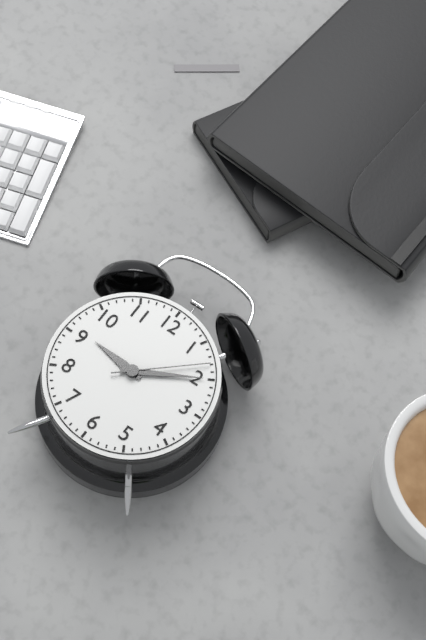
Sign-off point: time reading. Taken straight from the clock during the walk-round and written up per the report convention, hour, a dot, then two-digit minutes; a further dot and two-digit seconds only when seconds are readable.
9.10.08
